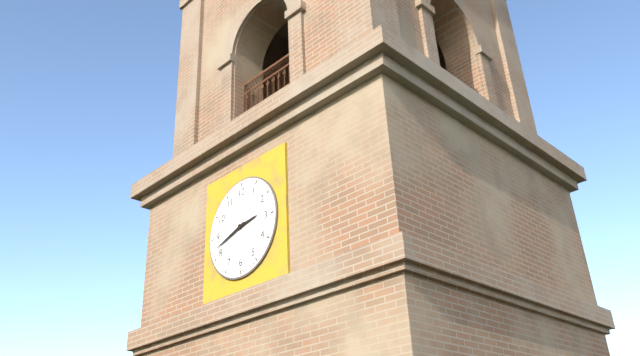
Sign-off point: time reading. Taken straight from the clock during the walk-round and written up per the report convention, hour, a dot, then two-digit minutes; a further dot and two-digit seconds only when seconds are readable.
2.42
